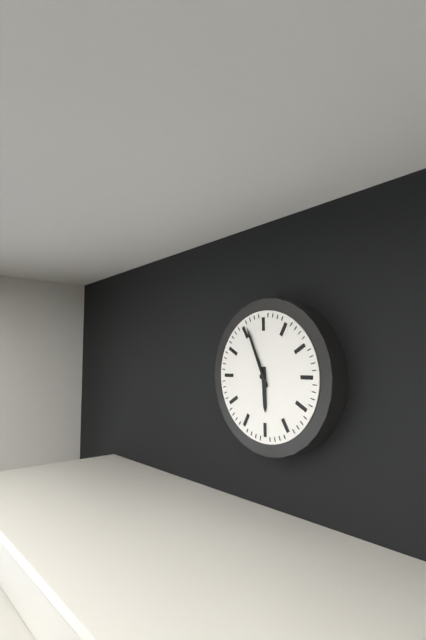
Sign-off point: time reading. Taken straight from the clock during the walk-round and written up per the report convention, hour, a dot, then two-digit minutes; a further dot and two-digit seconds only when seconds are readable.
5.56
